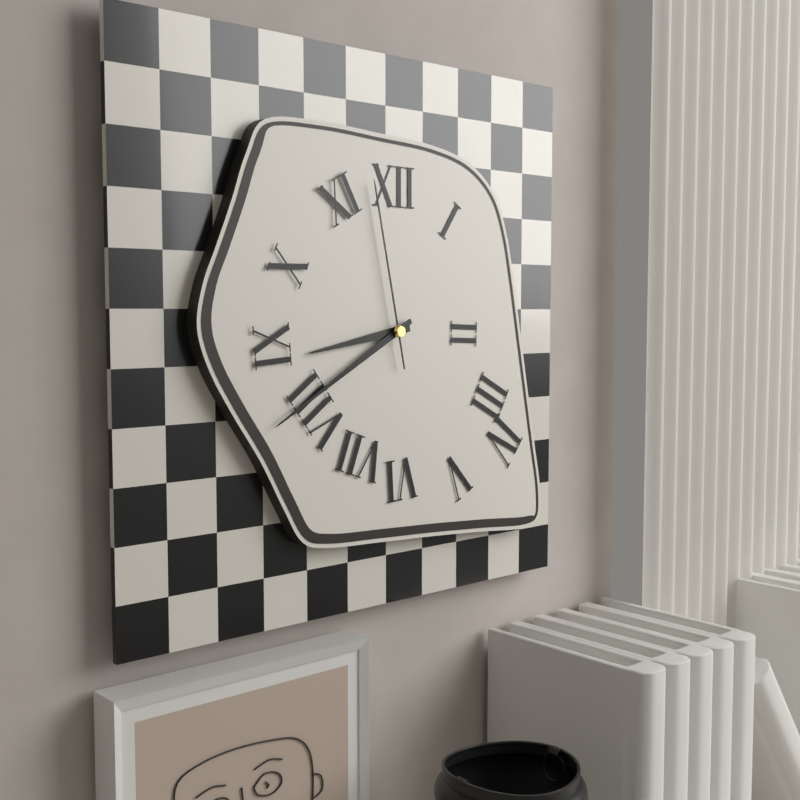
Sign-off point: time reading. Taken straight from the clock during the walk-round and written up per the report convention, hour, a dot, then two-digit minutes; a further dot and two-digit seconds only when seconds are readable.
8.40.58
